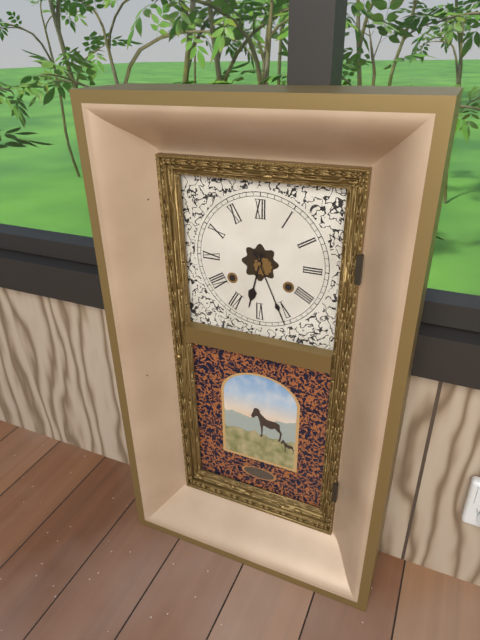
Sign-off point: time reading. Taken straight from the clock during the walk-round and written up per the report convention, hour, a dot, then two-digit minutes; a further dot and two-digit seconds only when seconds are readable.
6.26
